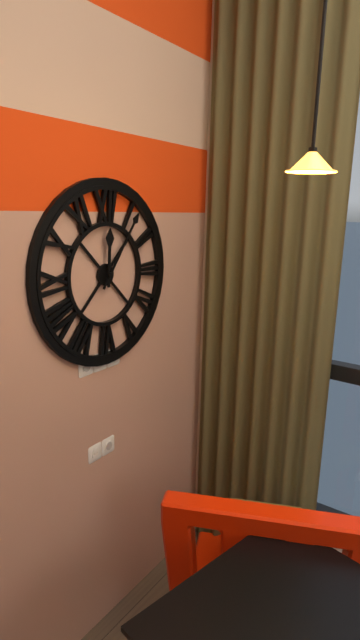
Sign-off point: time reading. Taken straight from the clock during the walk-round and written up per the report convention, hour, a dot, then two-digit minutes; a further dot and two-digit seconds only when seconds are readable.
12.06
